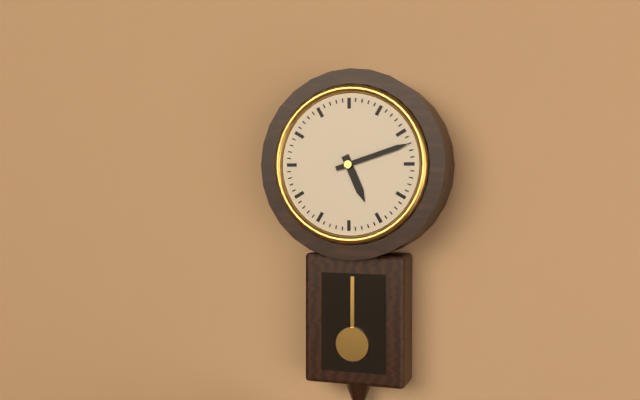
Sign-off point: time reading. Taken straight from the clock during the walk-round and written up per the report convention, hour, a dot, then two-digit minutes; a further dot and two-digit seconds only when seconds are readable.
5.12
